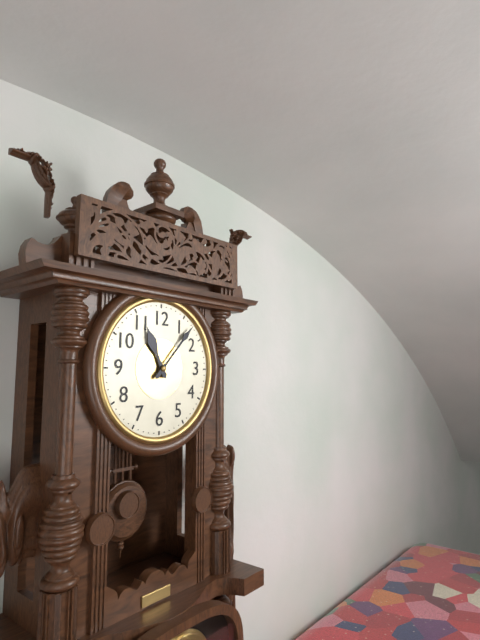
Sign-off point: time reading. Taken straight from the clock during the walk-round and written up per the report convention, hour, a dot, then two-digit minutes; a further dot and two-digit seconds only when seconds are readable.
11.07
